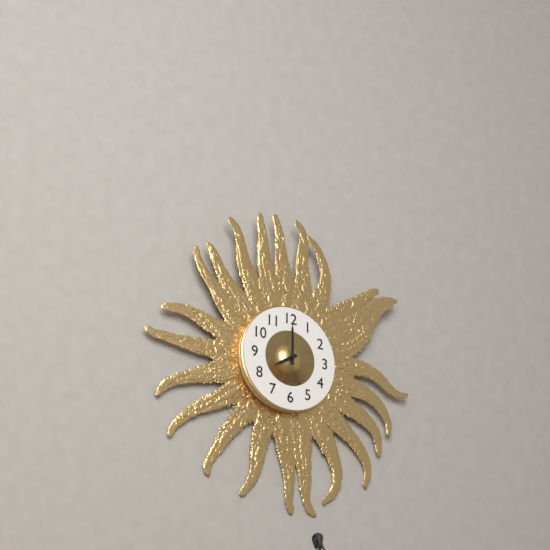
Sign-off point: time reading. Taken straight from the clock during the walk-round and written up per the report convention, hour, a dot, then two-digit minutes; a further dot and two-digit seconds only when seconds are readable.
8.00
